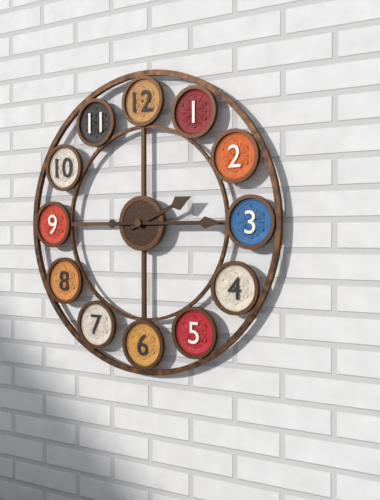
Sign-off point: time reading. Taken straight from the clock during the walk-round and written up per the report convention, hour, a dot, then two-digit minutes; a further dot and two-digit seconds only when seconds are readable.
2.15
